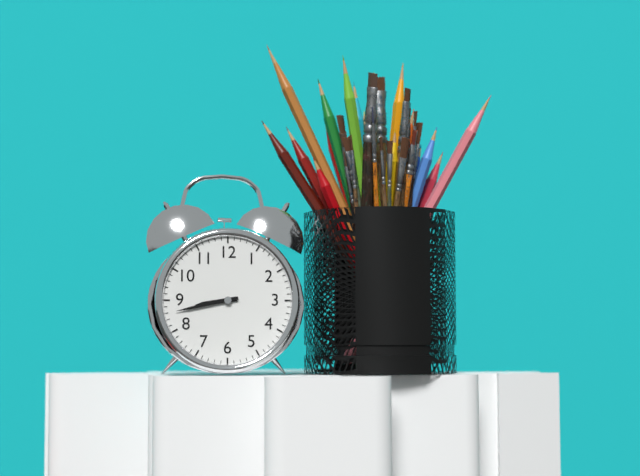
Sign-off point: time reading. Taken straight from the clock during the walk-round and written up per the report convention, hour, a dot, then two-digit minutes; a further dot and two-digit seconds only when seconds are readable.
8.43
